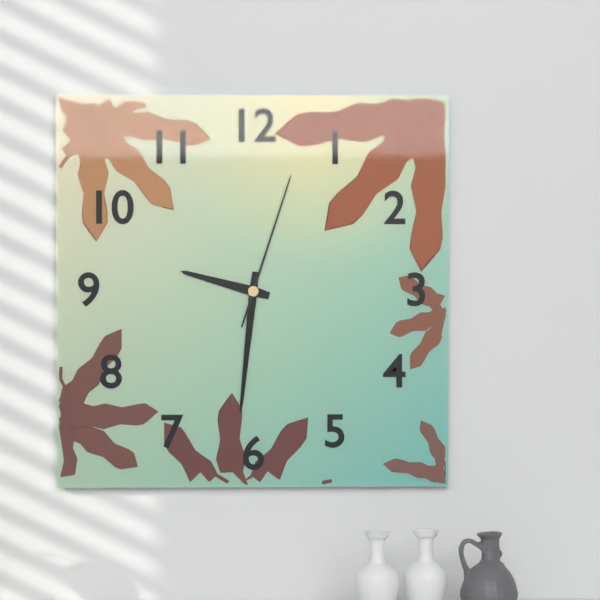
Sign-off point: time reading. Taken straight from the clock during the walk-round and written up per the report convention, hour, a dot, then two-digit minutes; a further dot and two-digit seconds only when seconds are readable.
9.31.03
